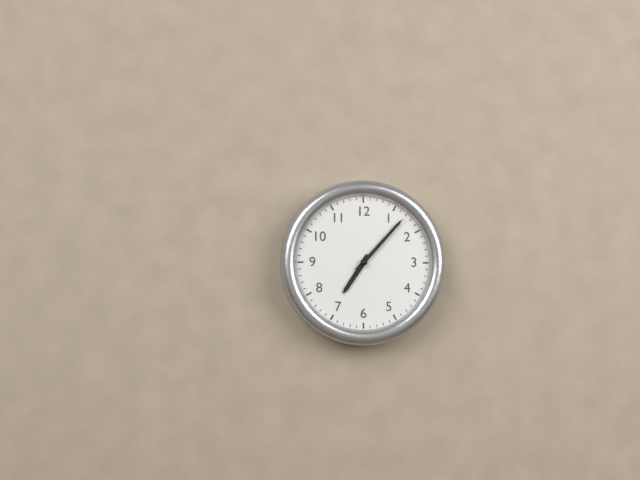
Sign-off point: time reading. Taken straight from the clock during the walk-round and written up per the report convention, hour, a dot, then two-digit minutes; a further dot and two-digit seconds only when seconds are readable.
7.07
